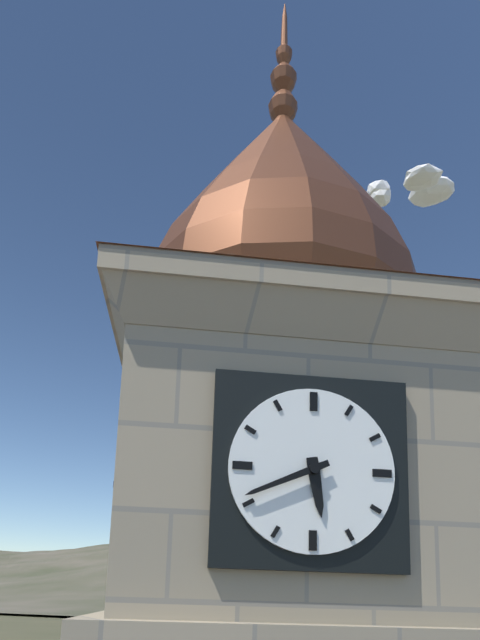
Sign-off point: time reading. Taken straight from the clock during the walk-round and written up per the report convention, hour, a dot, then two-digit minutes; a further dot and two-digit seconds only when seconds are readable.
5.41
